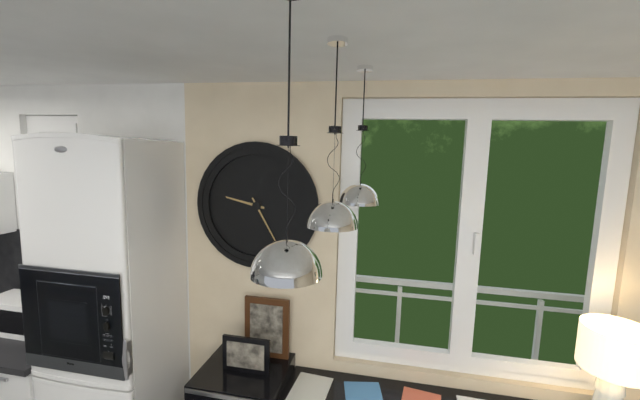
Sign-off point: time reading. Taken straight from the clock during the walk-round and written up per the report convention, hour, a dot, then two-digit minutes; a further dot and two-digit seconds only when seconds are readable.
9.25
